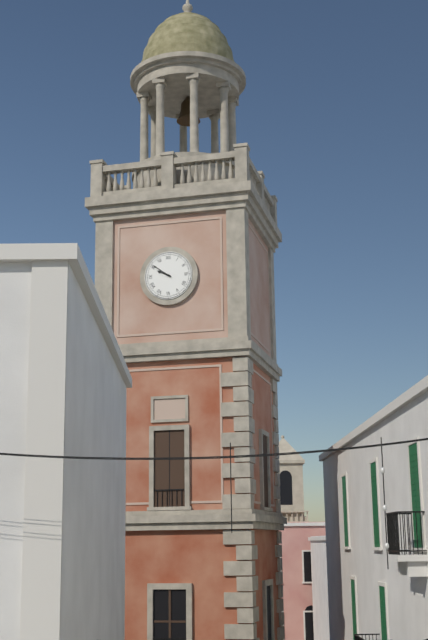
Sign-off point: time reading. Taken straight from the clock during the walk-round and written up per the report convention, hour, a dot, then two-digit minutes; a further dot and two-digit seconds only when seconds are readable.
9.51
